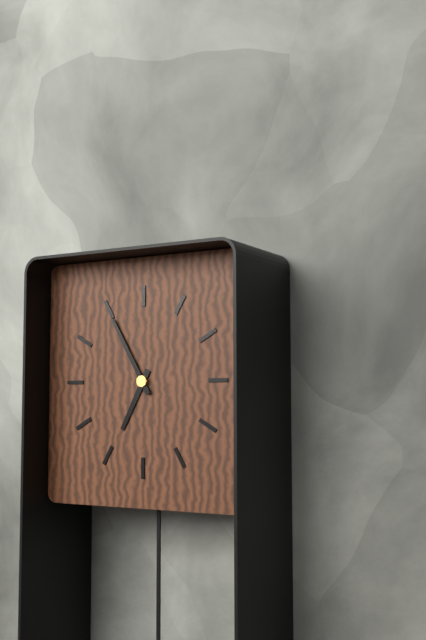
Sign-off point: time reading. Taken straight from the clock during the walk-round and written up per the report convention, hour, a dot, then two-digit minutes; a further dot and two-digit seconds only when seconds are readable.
6.55
